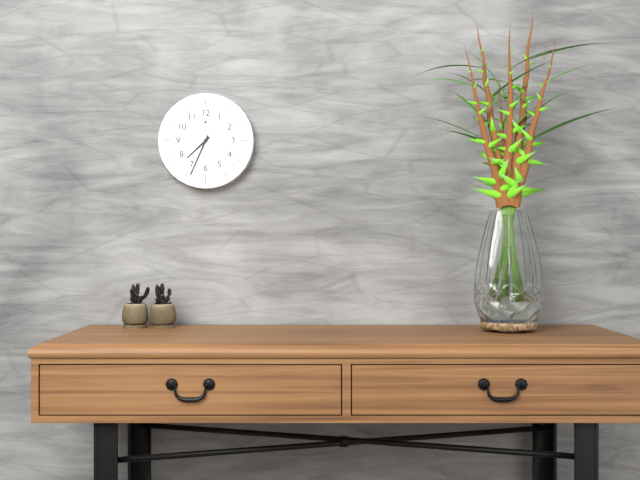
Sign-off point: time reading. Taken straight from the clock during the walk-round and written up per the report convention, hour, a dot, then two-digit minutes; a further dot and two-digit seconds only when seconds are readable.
7.34
